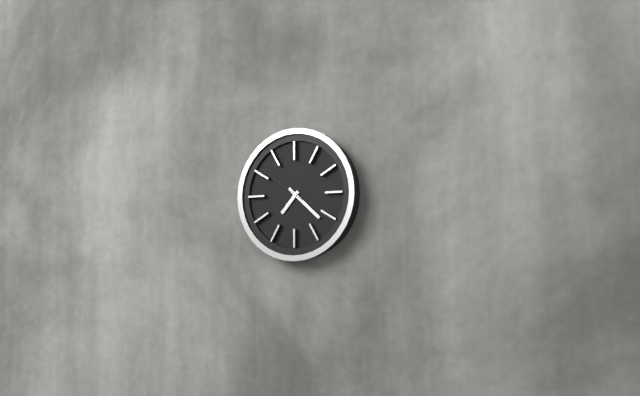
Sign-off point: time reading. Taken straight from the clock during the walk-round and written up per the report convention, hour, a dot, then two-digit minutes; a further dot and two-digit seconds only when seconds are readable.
7.22.51
